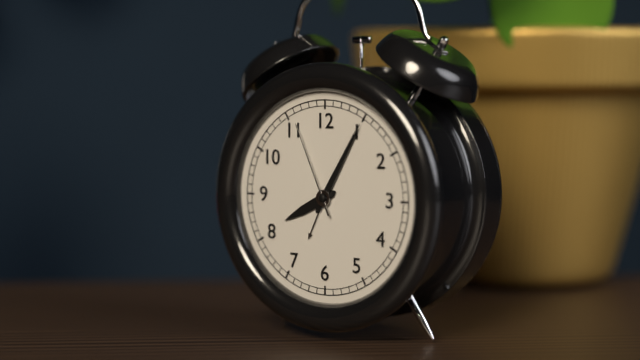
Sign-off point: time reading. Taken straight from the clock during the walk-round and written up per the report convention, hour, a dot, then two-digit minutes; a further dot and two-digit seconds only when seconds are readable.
8.05.56
